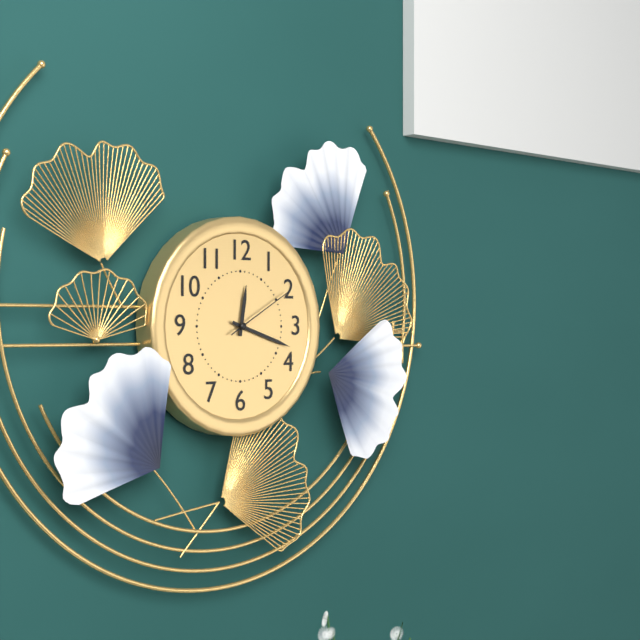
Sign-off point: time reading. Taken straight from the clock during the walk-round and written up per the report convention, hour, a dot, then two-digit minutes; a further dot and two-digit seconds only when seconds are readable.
12.18.10
